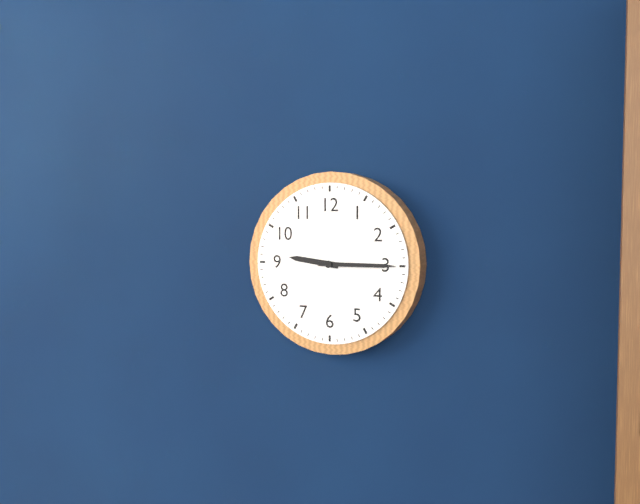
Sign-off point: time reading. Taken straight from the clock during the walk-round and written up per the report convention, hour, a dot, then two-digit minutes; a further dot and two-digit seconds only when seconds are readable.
9.15
